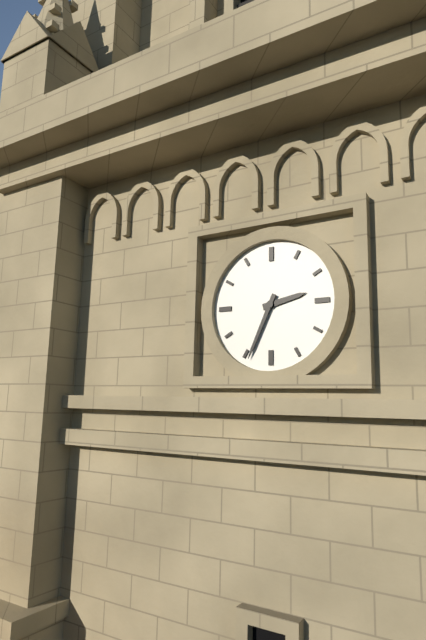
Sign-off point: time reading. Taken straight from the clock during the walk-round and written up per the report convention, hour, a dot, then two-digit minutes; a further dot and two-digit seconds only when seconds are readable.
2.34
